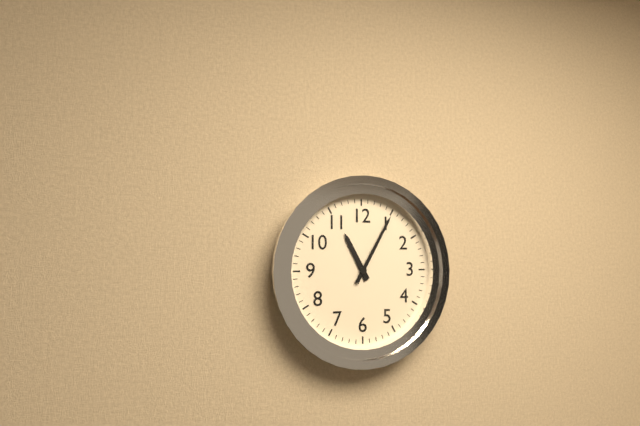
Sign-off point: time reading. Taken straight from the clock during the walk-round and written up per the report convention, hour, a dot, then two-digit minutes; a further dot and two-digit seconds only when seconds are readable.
11.05
